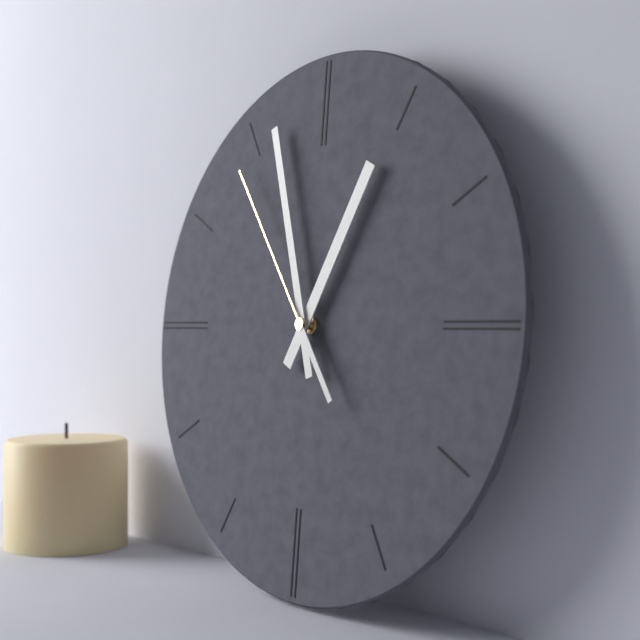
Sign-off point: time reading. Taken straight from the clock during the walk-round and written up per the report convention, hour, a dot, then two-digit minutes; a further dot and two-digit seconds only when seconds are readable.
12.57.54
